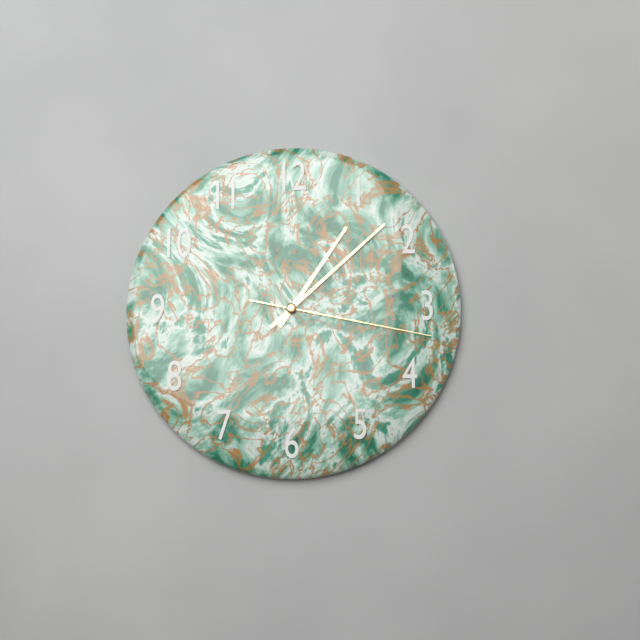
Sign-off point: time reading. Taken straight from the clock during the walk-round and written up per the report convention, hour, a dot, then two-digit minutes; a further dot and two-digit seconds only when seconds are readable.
1.08.17
